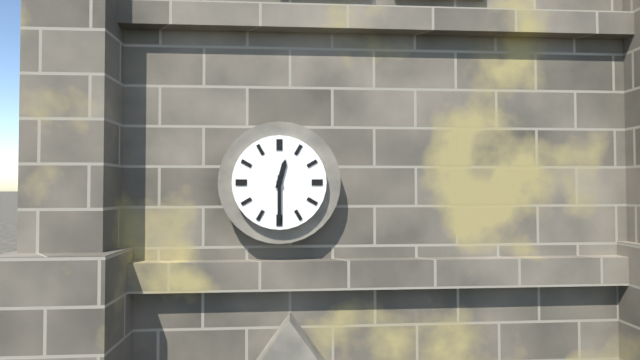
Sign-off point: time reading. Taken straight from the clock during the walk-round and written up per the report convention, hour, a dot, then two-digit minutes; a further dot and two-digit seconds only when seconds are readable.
12.30
